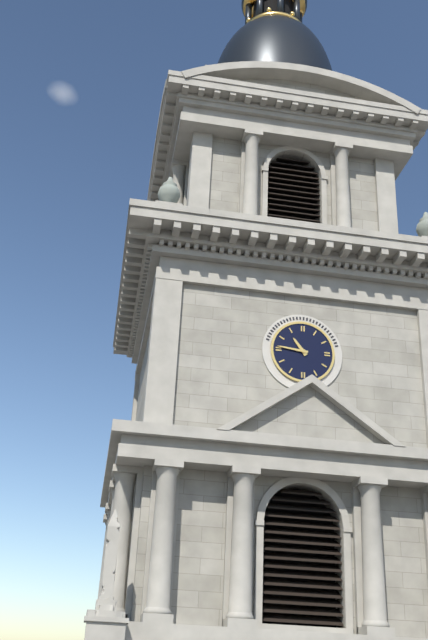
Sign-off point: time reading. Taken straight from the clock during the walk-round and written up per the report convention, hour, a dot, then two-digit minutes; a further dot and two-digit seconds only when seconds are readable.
10.46
